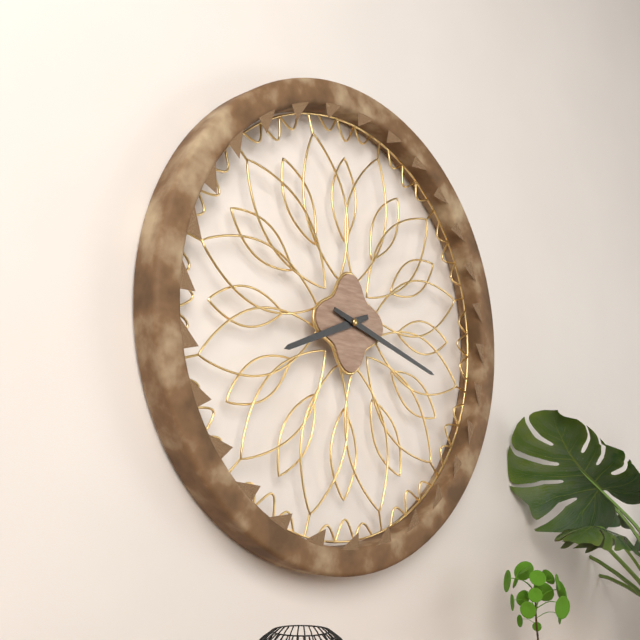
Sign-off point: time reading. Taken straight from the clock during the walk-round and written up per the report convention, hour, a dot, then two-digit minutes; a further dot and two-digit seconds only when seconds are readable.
8.18
